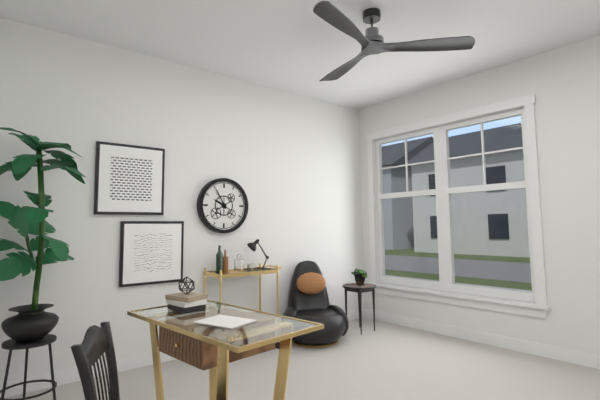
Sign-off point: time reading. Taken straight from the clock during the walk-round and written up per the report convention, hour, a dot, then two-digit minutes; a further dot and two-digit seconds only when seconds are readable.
9.55
